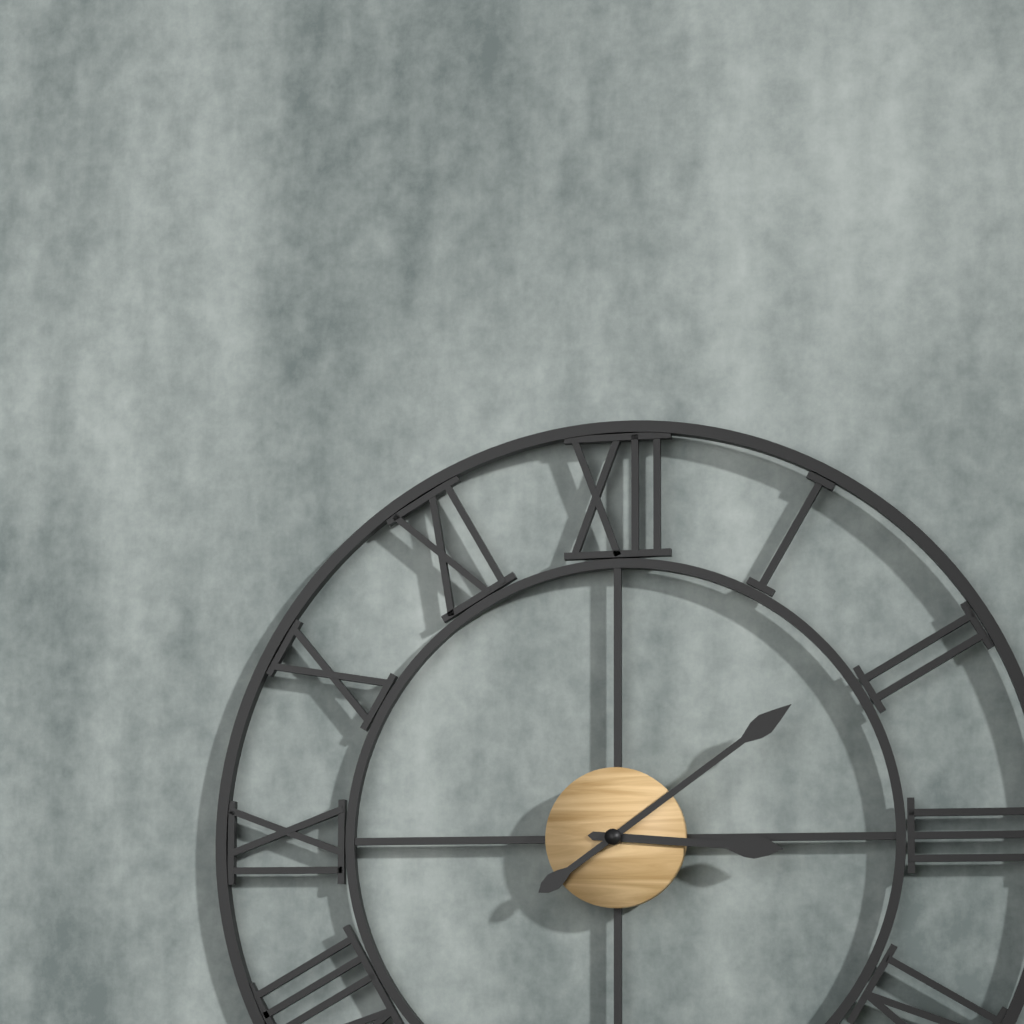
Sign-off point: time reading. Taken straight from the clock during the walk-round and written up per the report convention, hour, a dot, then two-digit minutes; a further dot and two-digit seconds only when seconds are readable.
3.09
